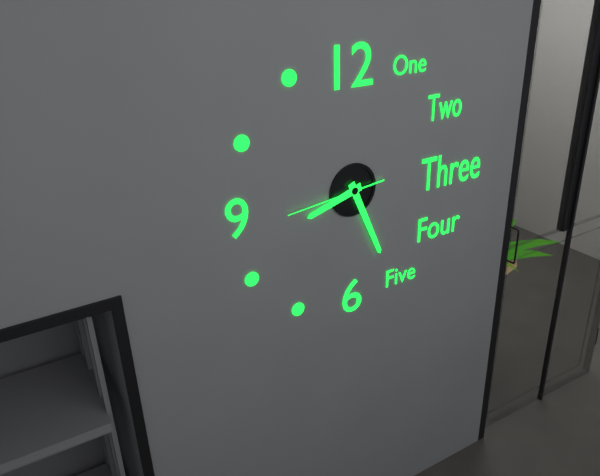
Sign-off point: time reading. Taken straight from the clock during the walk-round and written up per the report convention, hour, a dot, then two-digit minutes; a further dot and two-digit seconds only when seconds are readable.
8.26.44
